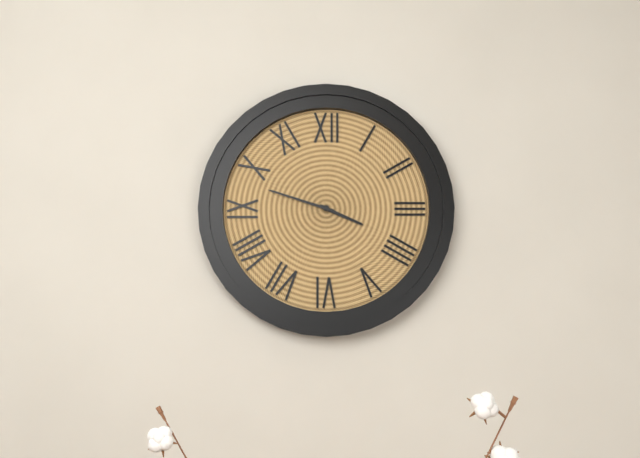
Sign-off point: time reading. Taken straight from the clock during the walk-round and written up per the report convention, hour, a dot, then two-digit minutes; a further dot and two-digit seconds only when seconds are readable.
3.48
